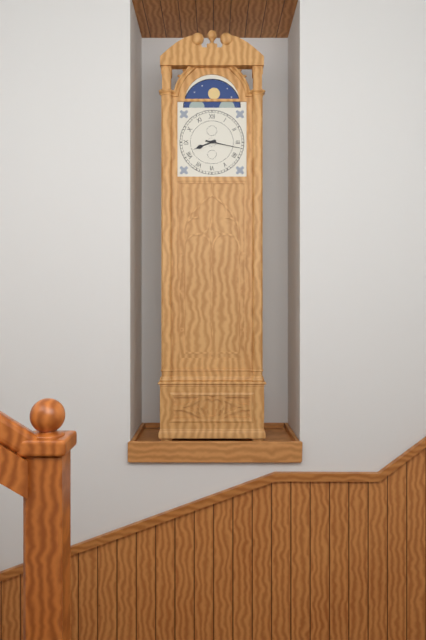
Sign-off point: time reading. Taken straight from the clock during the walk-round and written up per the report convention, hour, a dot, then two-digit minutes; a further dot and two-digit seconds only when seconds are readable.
8.17
